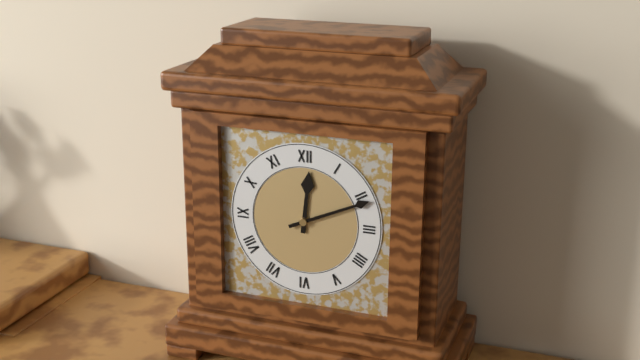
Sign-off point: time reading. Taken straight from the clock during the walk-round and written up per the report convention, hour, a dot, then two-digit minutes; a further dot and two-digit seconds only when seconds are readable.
12.11
